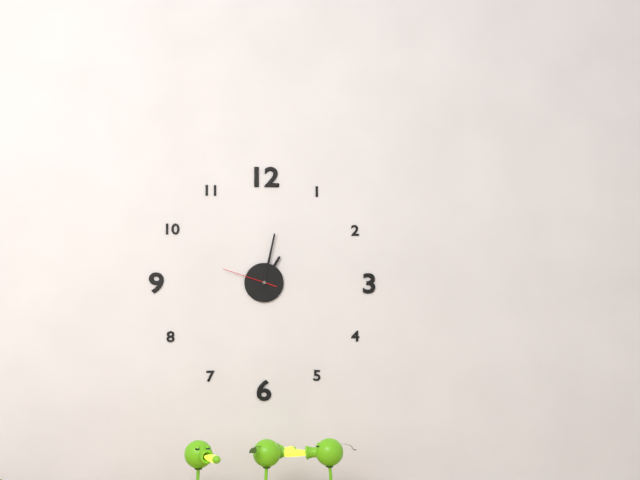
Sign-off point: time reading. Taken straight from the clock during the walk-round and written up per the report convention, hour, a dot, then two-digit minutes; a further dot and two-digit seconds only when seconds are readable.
1.02.48
